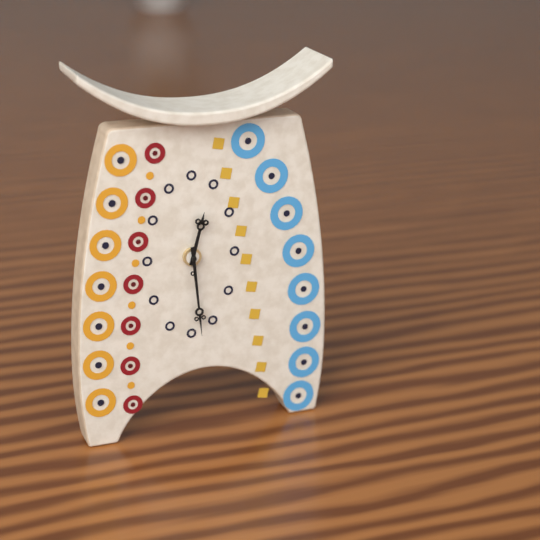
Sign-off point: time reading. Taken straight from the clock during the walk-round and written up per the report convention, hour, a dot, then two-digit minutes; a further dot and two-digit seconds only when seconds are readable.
12.29
